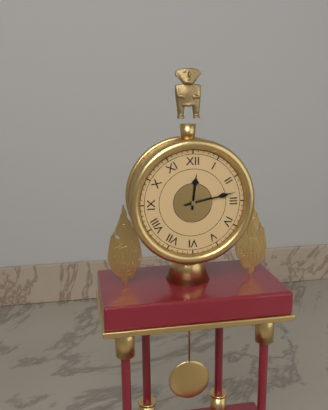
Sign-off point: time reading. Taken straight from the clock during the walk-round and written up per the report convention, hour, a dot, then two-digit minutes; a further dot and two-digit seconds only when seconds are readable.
12.13
